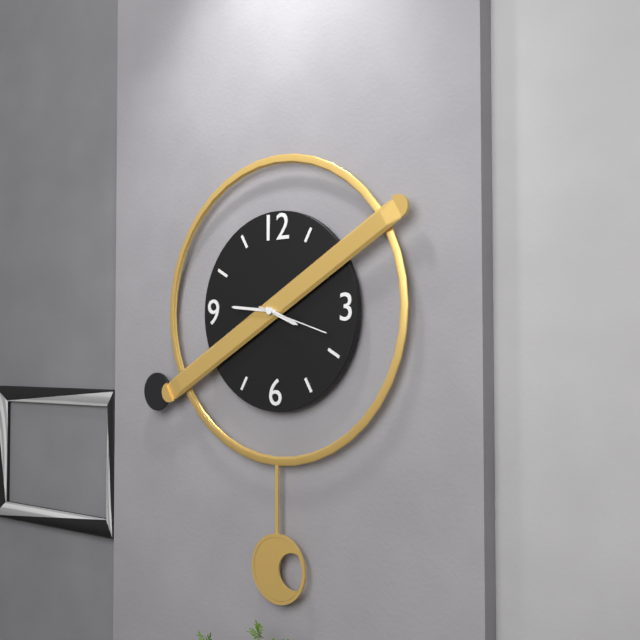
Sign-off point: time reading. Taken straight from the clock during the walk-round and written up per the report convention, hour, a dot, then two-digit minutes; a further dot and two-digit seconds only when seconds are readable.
3.46
